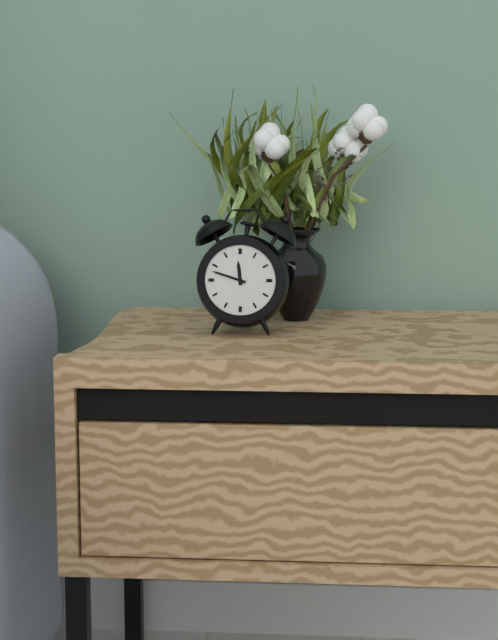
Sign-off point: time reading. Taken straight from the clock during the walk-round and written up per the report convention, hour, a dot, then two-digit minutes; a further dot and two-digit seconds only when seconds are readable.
11.48
